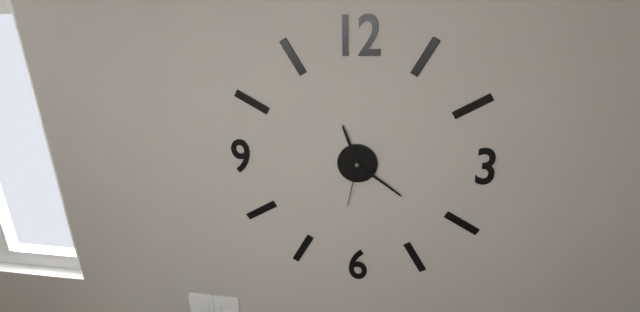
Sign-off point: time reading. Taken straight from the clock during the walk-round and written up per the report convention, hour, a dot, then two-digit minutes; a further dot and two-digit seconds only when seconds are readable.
11.21.32
